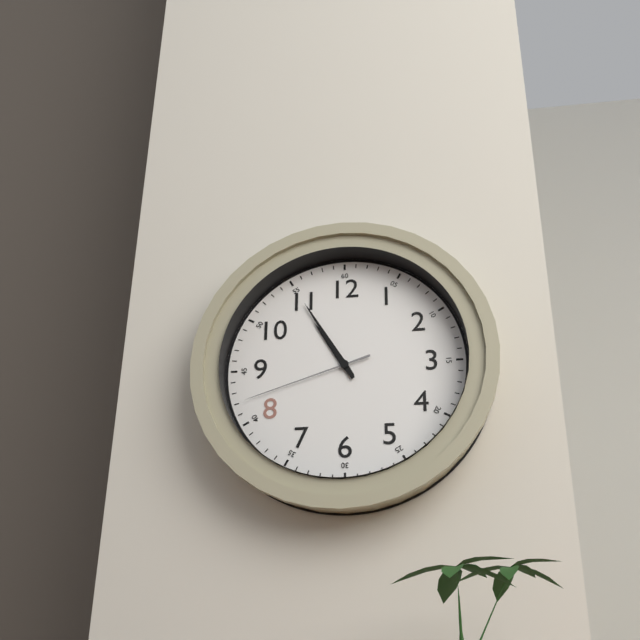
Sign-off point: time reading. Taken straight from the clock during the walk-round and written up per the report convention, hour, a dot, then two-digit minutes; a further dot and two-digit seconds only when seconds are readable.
10.55.42
